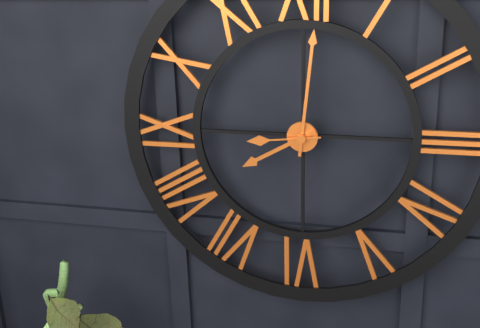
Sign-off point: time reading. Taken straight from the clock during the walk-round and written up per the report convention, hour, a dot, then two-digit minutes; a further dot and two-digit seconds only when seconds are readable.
8.01.44
